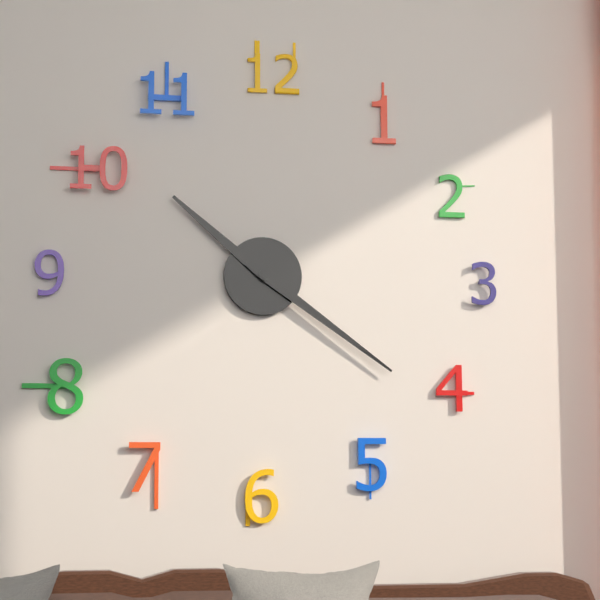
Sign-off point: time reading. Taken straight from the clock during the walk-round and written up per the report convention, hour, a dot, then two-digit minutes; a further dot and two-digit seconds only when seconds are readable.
10.21
